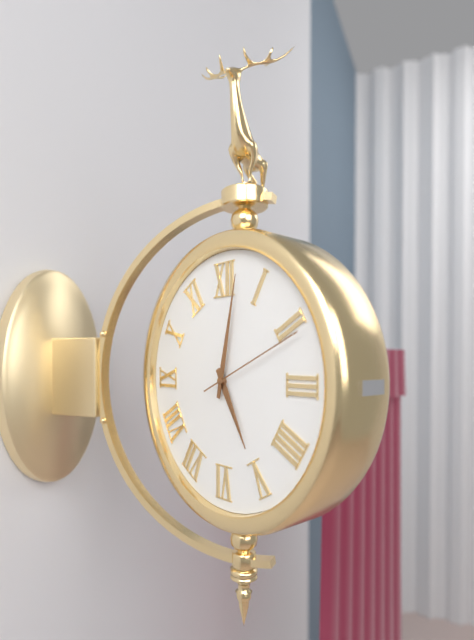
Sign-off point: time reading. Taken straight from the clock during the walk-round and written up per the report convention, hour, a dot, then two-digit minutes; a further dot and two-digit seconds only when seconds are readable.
5.02.11
